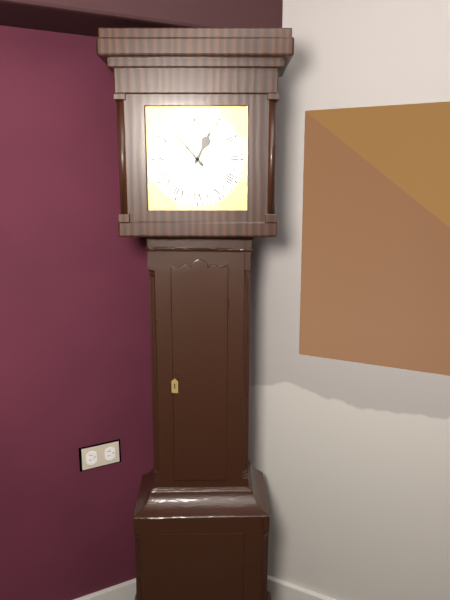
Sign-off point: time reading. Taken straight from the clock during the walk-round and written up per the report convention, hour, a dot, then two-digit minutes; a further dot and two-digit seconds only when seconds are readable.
12.53
